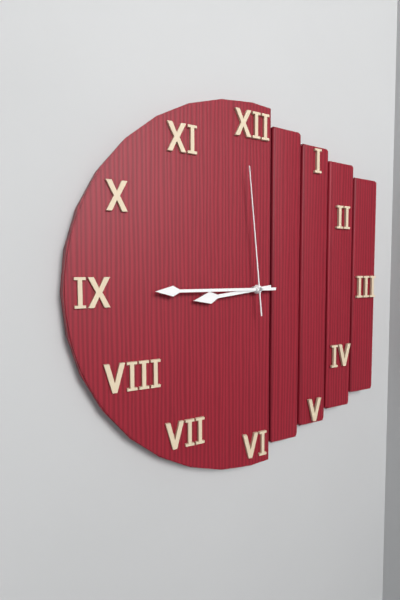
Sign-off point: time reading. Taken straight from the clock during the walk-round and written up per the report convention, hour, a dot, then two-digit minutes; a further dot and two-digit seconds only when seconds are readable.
8.45.59
